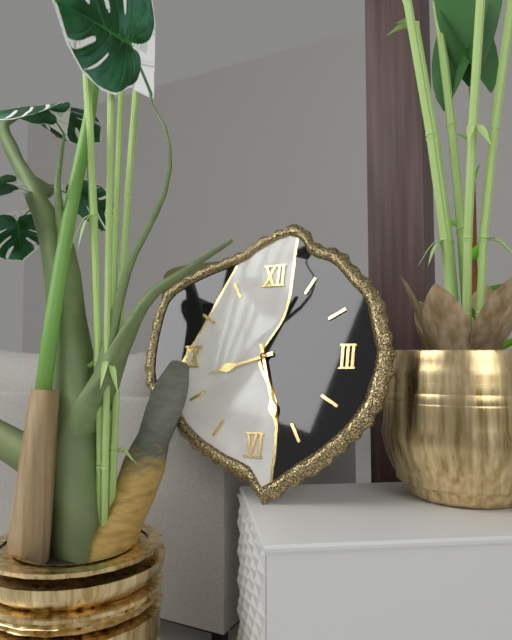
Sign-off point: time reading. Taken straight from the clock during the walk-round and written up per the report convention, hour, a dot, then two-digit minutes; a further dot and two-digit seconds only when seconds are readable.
8.27
